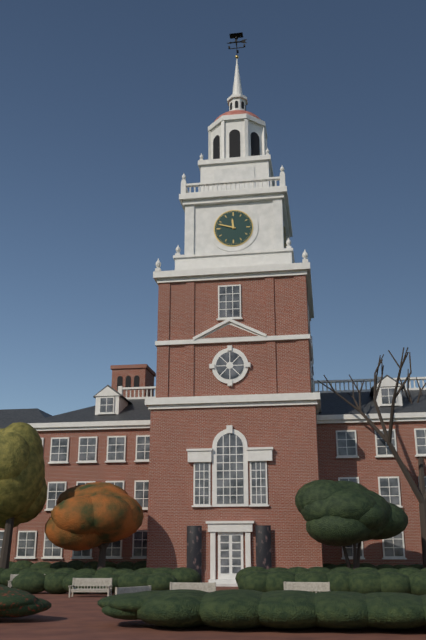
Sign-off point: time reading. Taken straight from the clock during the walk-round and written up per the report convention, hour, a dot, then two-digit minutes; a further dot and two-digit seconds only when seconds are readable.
11.48
